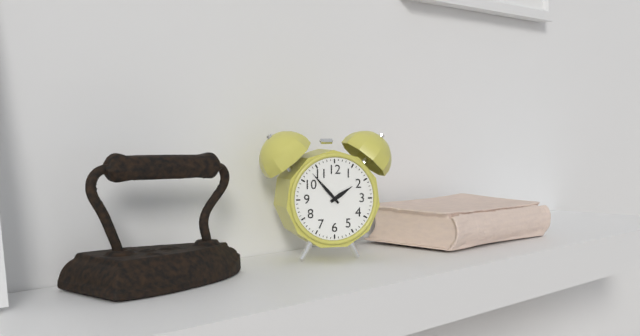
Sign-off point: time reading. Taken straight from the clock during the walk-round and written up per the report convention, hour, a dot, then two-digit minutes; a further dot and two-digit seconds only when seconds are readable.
1.53
